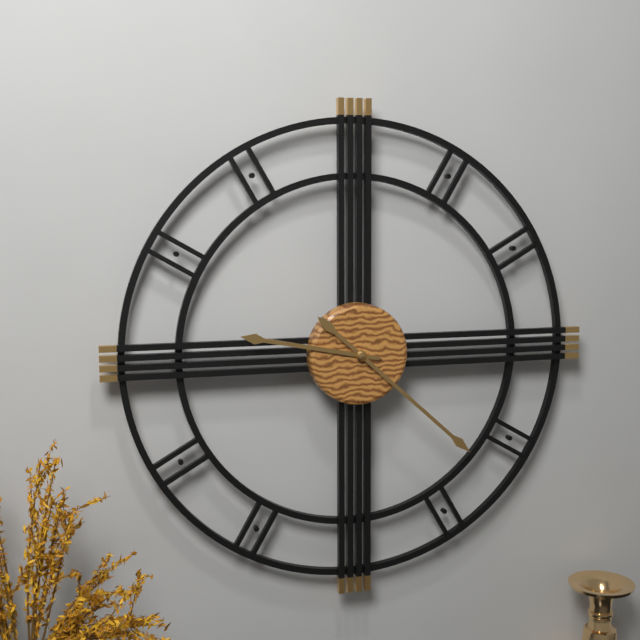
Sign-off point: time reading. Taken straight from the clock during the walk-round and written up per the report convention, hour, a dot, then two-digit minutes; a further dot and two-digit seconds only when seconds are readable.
9.22
